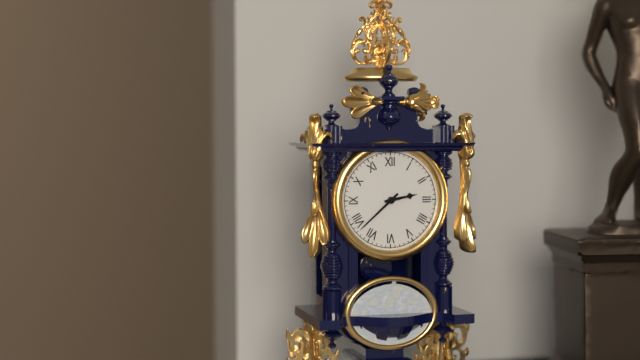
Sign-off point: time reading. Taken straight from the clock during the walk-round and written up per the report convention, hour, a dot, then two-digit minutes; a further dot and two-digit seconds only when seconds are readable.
2.38
